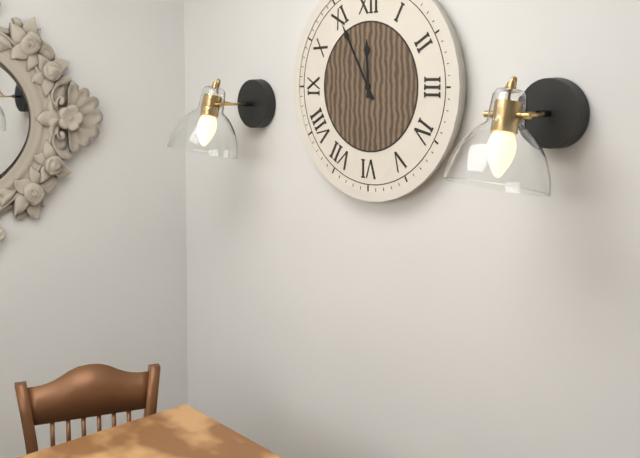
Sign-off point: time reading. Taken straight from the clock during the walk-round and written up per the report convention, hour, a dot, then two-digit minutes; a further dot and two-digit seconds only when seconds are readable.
11.55
